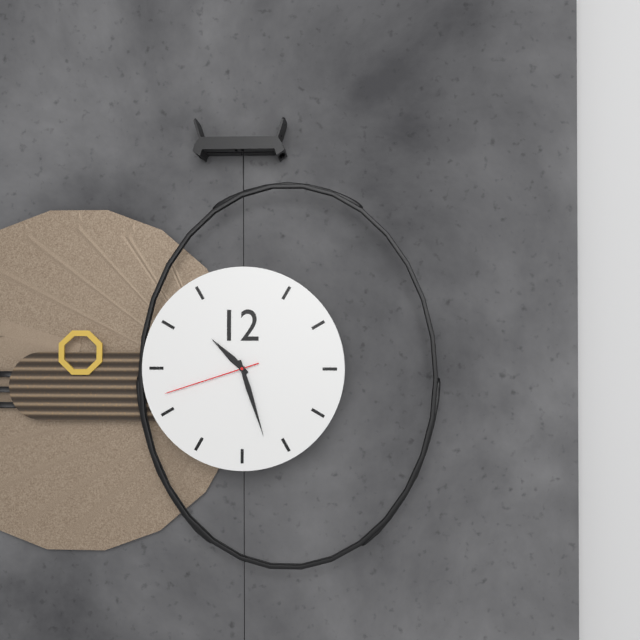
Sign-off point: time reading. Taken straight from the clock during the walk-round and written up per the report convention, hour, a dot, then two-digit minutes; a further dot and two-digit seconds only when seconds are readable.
10.27.42
